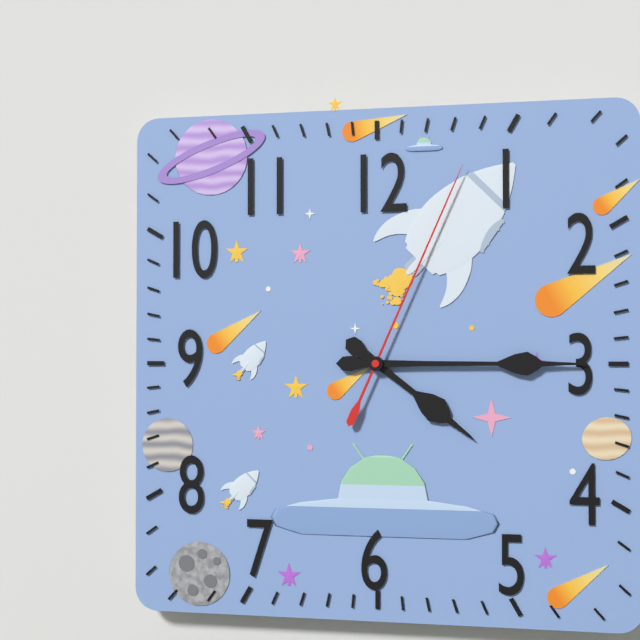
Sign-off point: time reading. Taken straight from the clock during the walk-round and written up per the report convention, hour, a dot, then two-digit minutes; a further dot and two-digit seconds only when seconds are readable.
4.15.04
